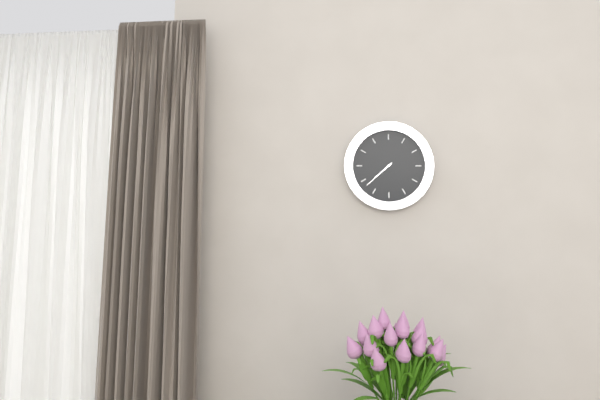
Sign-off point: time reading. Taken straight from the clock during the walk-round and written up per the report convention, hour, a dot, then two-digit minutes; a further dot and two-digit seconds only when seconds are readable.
7.38
